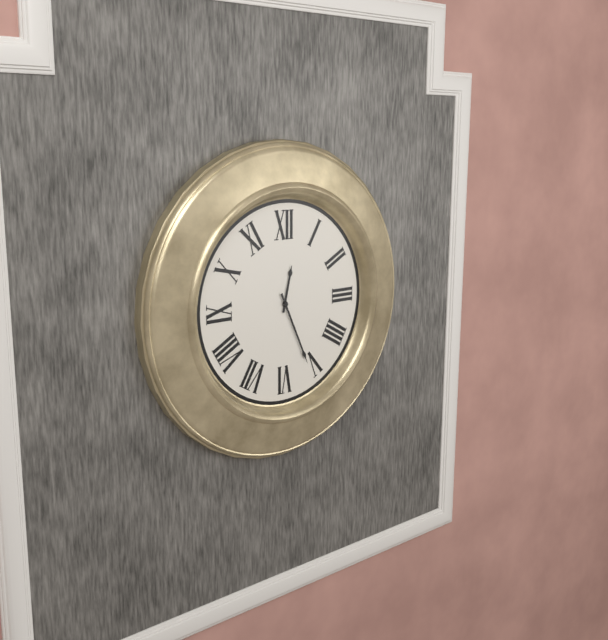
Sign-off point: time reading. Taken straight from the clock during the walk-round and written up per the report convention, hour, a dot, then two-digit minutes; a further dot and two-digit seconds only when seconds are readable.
12.26
